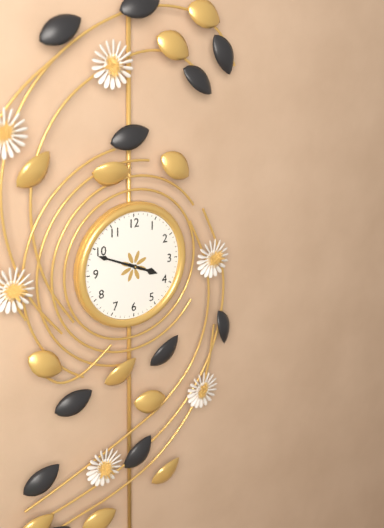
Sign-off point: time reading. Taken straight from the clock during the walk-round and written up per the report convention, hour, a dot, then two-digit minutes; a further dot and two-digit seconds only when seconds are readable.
3.49
